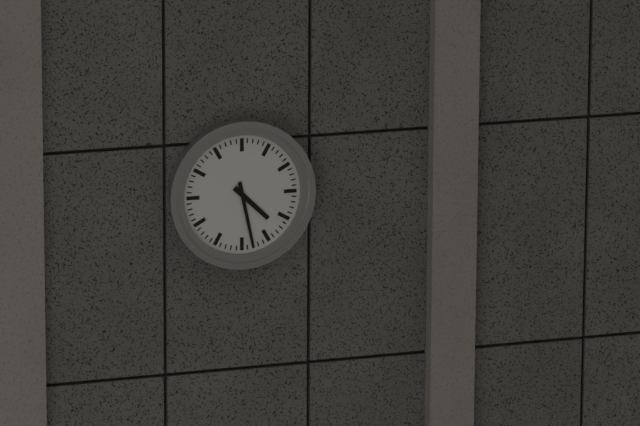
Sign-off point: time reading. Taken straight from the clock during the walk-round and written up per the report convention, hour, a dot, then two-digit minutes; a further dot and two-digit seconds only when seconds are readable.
4.28
